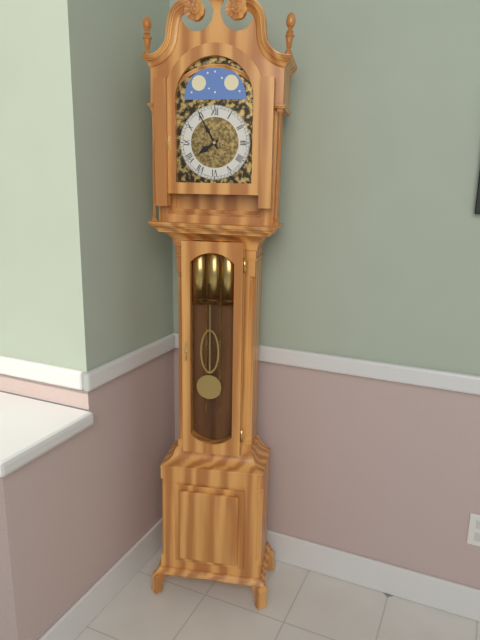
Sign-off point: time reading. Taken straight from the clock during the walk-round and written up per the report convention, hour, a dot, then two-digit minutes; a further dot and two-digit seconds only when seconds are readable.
7.55
